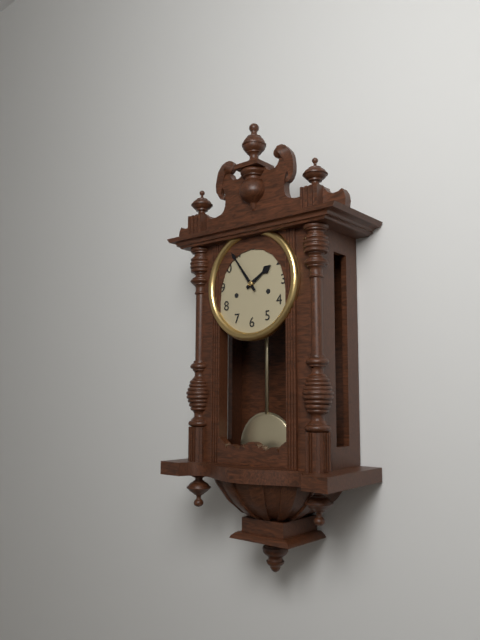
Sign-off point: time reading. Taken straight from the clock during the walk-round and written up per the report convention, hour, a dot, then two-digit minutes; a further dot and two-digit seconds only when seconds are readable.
1.54
